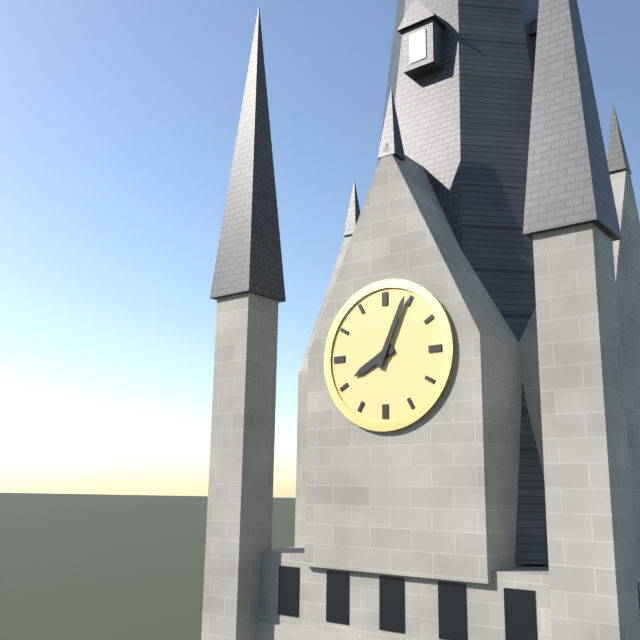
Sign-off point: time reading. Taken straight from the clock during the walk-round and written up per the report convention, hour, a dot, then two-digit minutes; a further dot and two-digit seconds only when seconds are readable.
8.04
